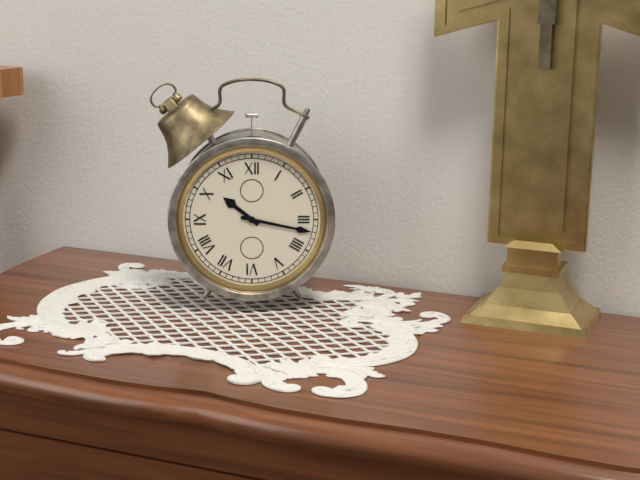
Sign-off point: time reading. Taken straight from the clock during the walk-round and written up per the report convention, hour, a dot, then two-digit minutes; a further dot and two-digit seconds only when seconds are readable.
10.17
